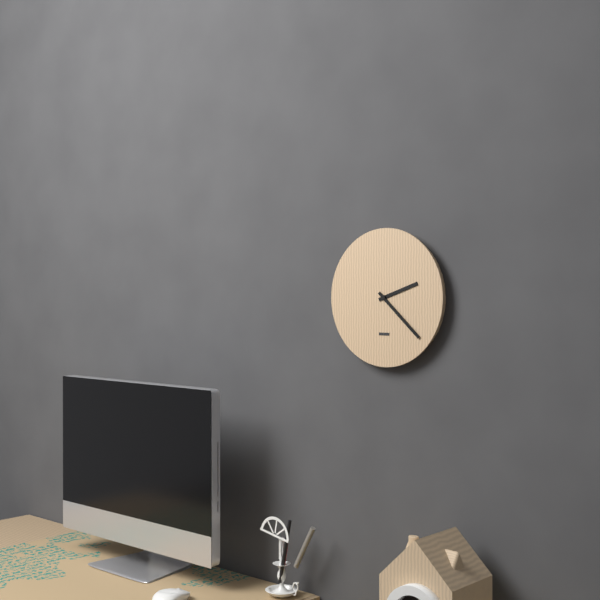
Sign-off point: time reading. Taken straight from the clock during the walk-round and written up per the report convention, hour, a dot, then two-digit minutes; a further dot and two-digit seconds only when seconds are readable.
2.22
